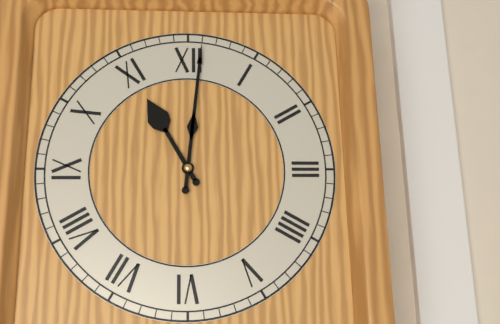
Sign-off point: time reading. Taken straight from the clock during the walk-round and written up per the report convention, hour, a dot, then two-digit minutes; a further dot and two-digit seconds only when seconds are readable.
11.01
